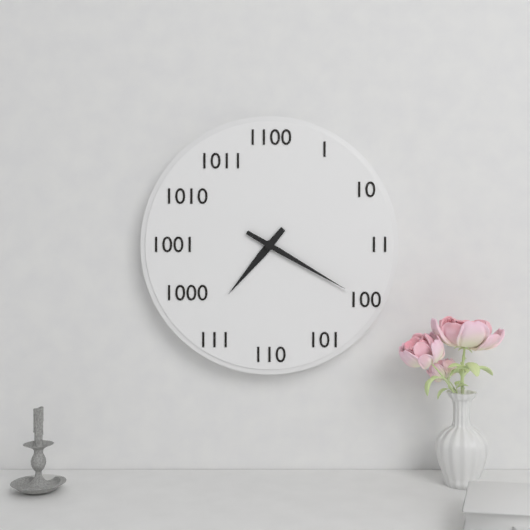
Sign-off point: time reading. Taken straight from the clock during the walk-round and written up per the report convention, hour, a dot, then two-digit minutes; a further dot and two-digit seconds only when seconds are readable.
7.20
